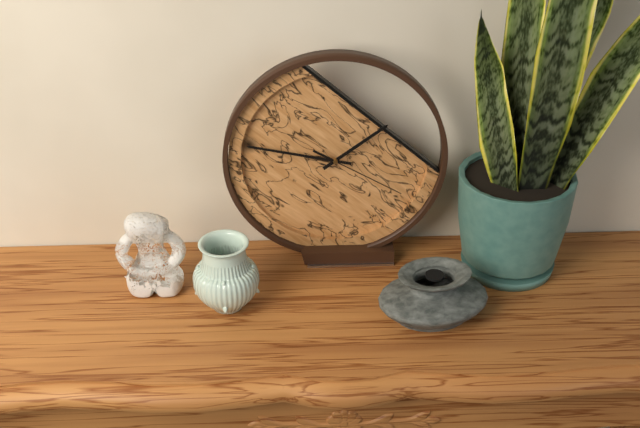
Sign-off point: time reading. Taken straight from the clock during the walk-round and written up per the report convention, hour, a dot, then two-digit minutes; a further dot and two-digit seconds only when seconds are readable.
1.47.20
